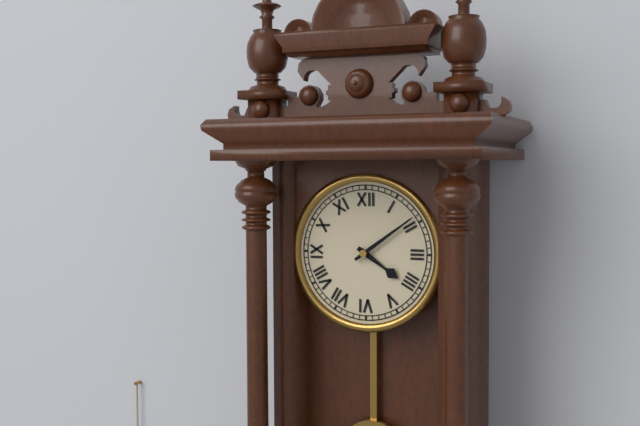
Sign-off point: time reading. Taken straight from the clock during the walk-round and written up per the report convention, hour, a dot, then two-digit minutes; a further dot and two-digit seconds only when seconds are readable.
4.09
